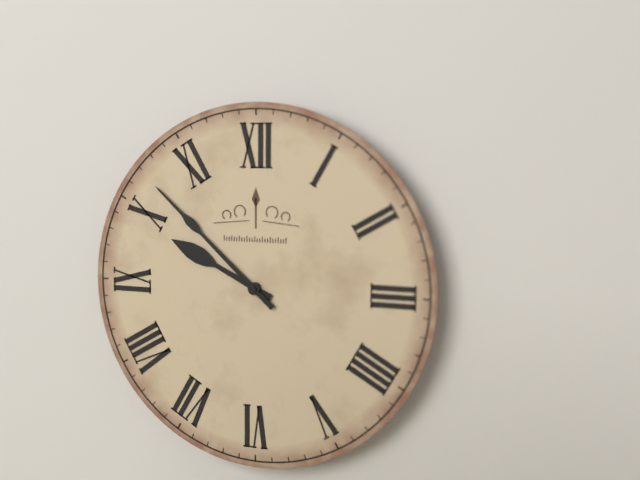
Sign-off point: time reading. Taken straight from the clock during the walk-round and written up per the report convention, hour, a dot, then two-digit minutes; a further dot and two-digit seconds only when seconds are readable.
9.52
